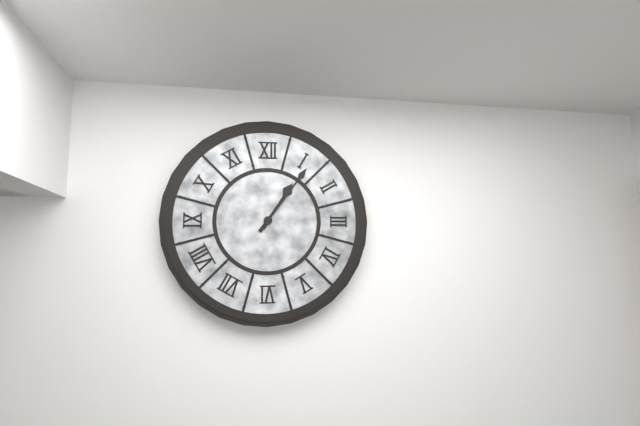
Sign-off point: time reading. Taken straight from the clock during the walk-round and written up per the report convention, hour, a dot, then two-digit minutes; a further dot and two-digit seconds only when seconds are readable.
1.06
